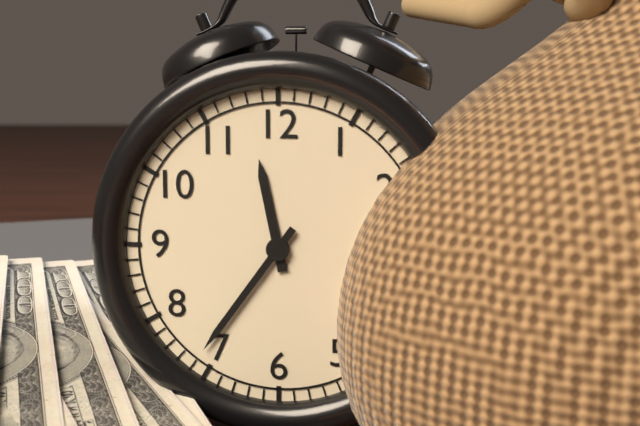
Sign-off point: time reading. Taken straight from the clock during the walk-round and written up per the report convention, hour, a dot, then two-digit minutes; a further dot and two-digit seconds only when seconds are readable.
11.36
